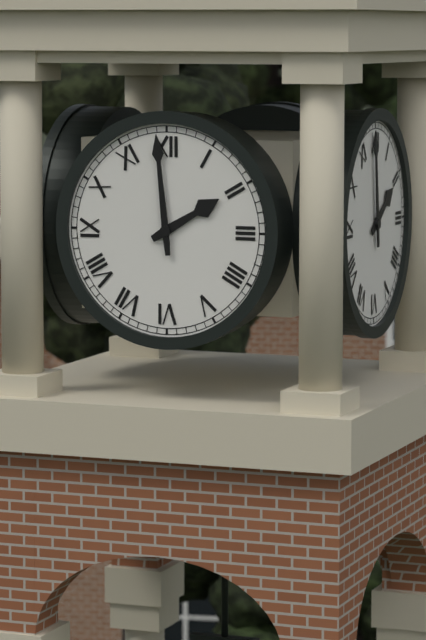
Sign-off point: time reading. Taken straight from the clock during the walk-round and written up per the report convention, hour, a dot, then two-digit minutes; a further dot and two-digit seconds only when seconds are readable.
1.59
